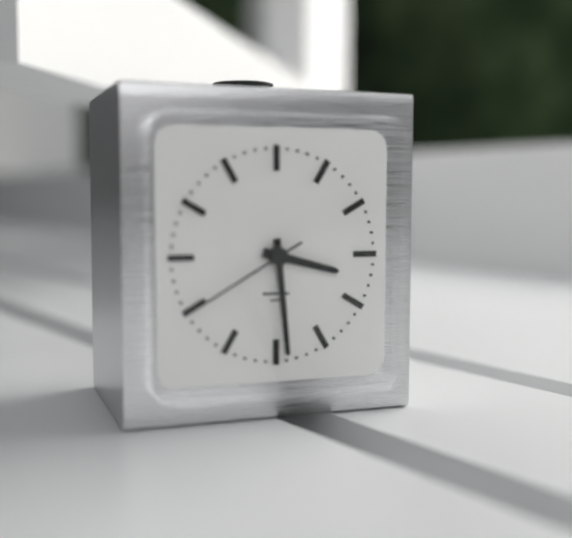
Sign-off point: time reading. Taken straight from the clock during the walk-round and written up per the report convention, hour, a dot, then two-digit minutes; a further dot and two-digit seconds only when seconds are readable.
3.29.40
